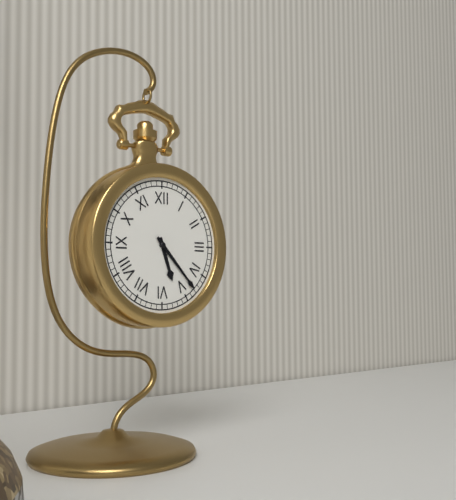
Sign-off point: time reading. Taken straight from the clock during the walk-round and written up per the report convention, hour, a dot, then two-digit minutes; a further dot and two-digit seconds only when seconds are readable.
5.23
